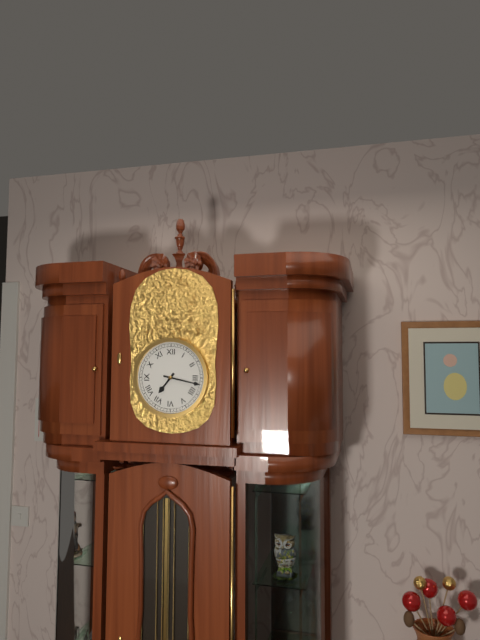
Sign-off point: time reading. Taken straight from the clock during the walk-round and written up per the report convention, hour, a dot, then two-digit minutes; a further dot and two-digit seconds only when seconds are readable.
7.17
